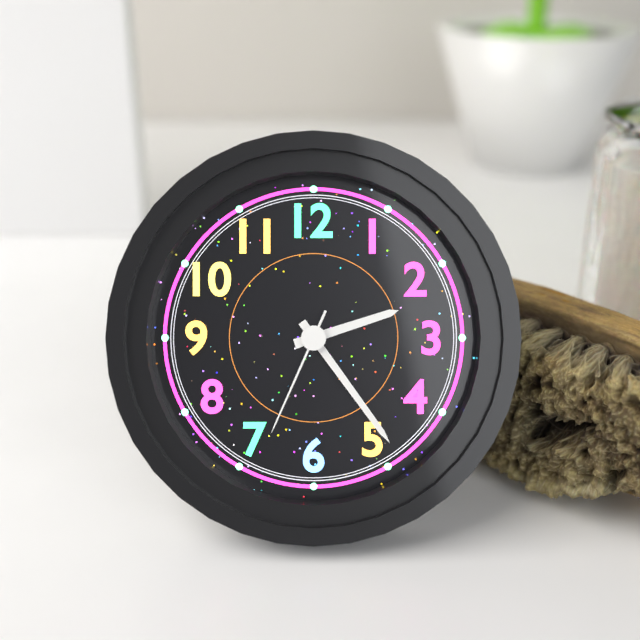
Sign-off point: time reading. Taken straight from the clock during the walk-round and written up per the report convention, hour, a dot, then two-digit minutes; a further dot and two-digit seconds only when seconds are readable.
2.24.34
